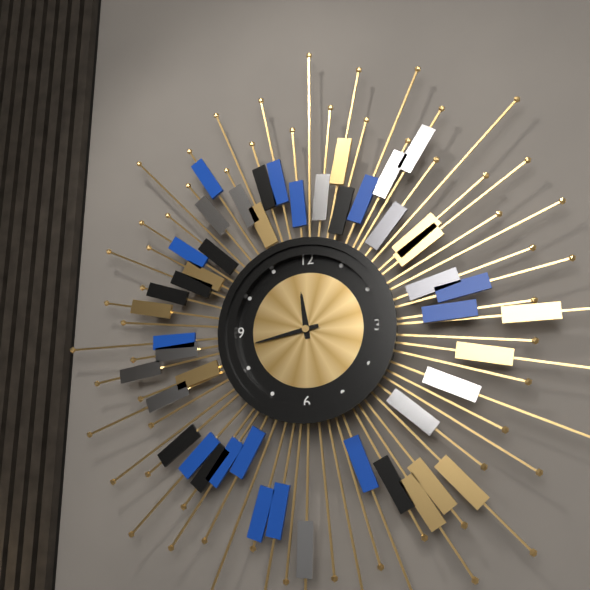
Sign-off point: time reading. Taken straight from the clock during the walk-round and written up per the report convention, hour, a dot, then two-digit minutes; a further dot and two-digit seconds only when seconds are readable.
11.43
